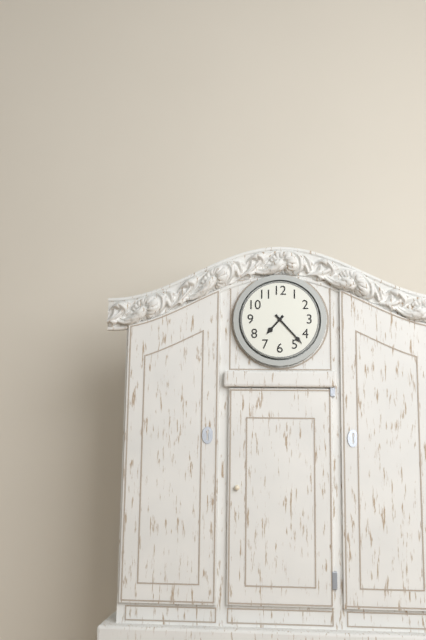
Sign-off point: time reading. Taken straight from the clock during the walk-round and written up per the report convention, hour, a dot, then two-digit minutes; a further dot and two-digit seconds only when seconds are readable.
7.23
